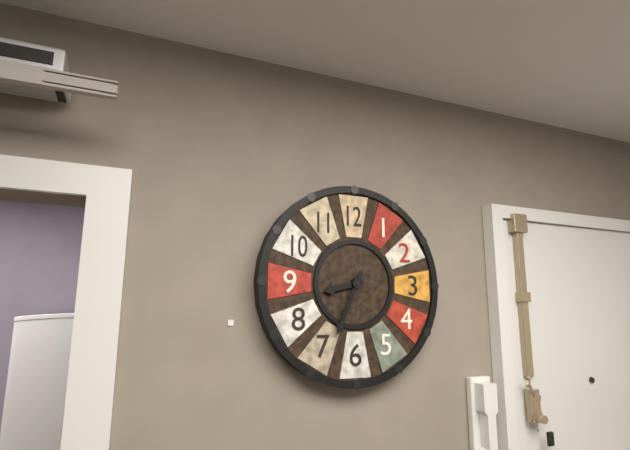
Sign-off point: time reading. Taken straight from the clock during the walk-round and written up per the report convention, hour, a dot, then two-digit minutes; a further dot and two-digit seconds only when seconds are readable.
8.34
